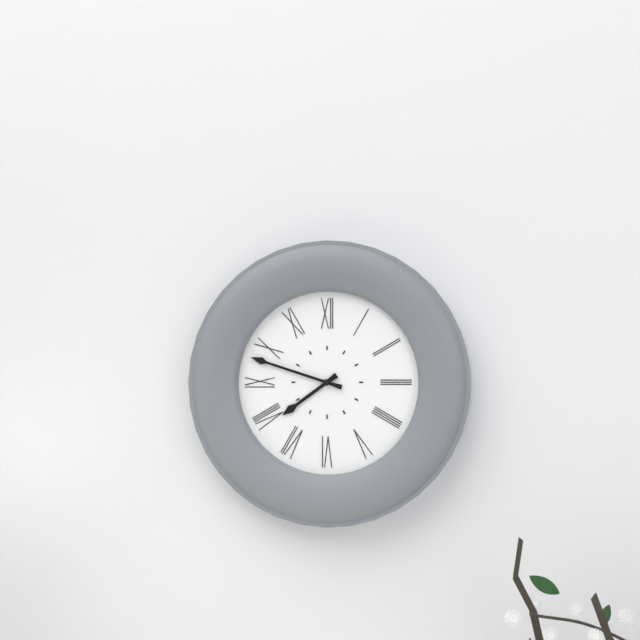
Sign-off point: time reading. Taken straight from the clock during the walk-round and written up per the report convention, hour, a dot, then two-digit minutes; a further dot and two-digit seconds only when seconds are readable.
7.48
